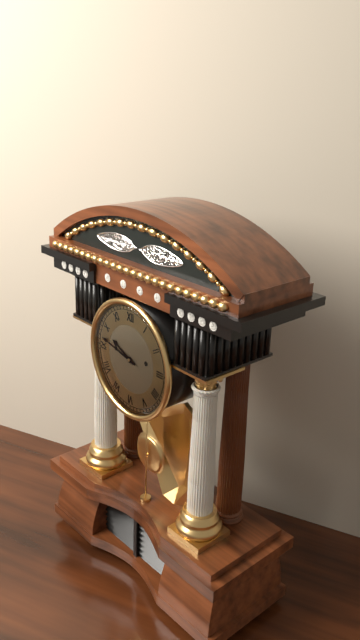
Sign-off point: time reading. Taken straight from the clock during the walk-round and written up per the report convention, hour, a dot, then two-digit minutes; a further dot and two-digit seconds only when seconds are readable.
9.47
